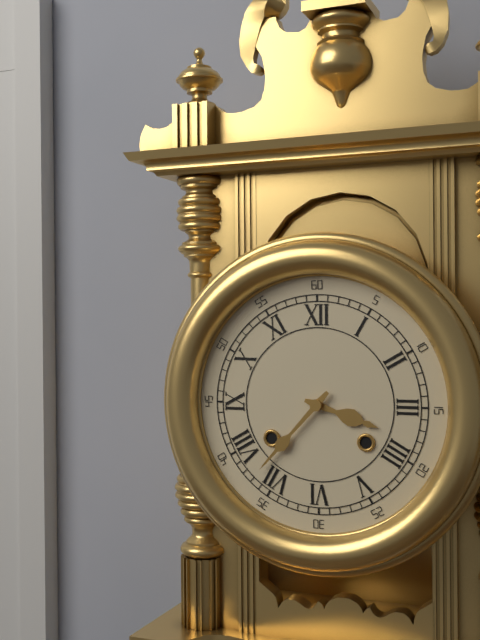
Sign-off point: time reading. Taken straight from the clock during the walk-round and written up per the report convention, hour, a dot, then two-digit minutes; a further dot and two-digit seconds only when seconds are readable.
3.37
